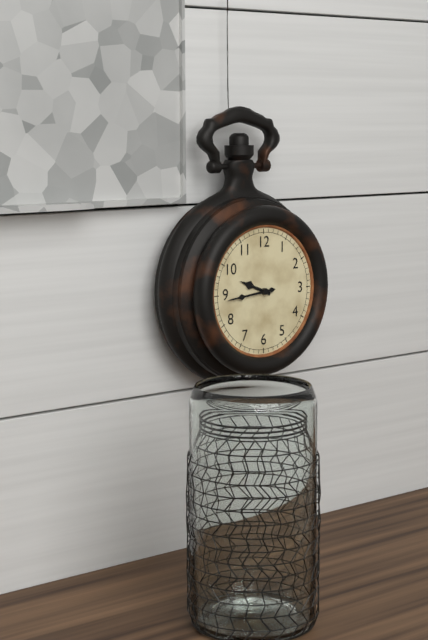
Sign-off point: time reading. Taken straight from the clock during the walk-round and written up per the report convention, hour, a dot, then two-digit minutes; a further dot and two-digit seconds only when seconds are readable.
9.44
